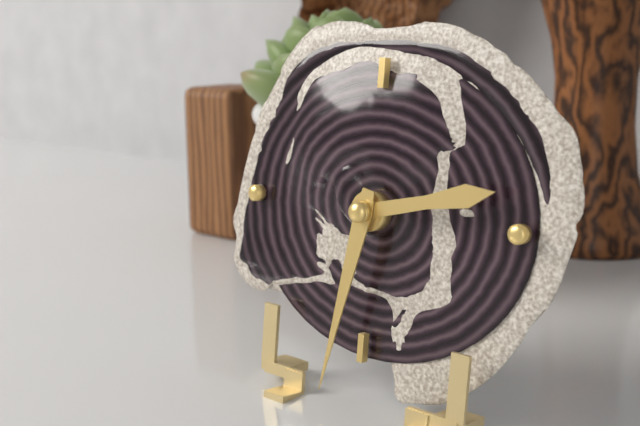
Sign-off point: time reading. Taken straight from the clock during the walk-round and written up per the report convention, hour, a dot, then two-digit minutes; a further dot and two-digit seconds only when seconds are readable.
2.32
